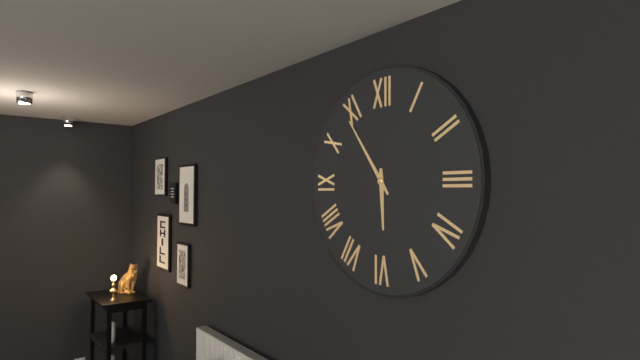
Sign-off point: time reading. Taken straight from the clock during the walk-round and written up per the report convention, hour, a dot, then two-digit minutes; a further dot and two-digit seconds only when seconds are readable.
5.54
